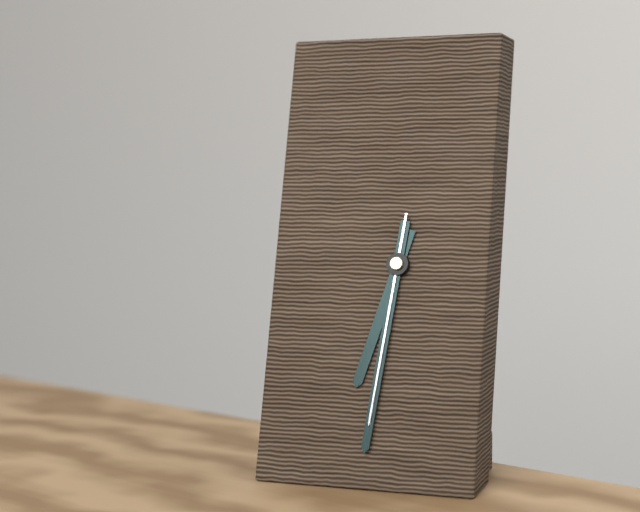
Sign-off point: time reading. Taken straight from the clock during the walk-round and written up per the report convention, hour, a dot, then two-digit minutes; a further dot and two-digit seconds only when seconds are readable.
6.31.31
